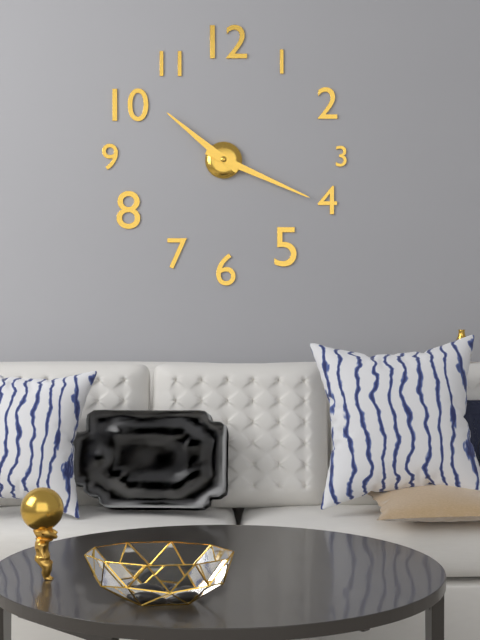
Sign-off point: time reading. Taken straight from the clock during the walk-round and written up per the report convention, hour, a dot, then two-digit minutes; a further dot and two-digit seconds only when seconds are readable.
10.19
